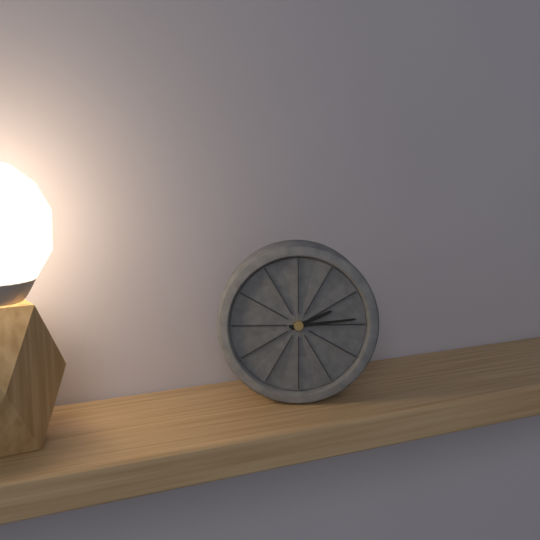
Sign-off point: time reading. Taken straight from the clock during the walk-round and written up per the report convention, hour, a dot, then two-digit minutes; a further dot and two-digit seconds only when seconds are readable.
2.14
